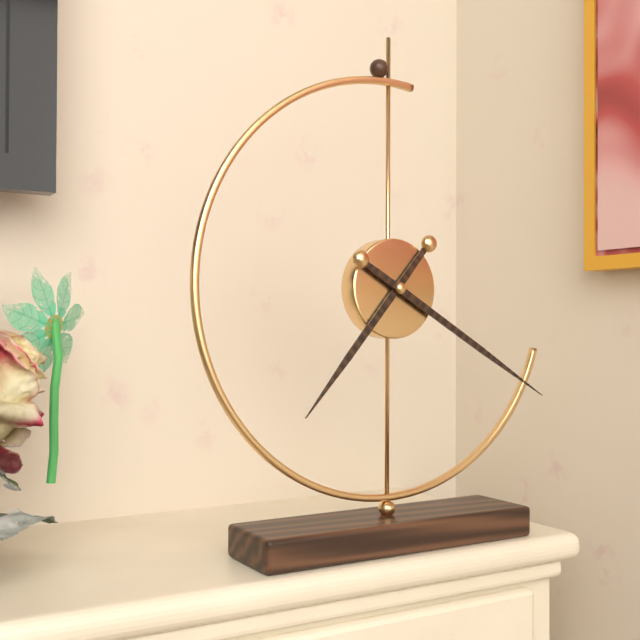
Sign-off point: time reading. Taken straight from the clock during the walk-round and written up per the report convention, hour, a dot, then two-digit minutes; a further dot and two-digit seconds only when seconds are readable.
7.20
